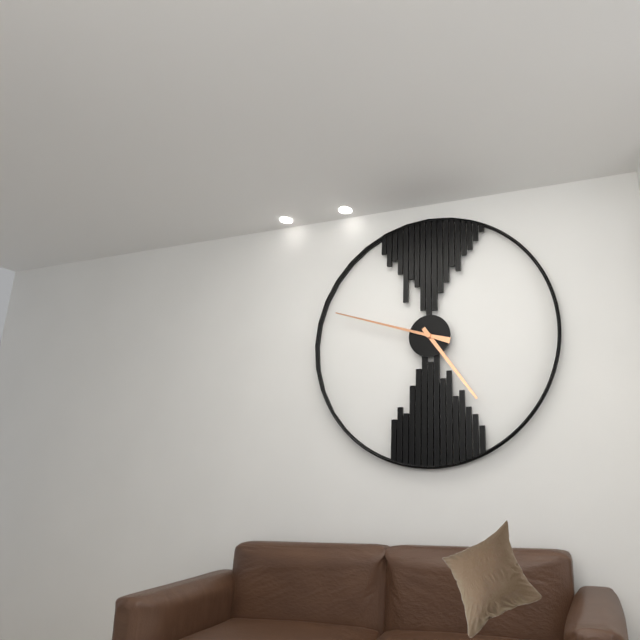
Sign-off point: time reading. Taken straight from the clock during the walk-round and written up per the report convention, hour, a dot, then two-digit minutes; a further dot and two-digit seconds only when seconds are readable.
4.48
